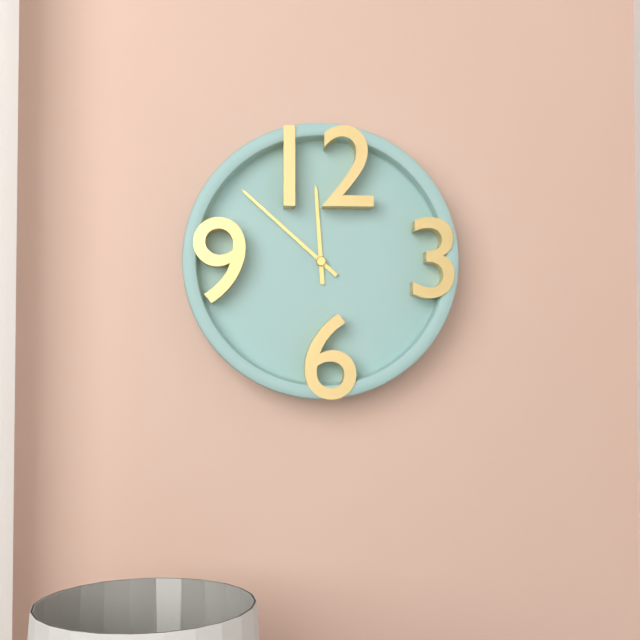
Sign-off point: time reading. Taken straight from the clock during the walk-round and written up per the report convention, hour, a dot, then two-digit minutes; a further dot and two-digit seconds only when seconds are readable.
11.52
